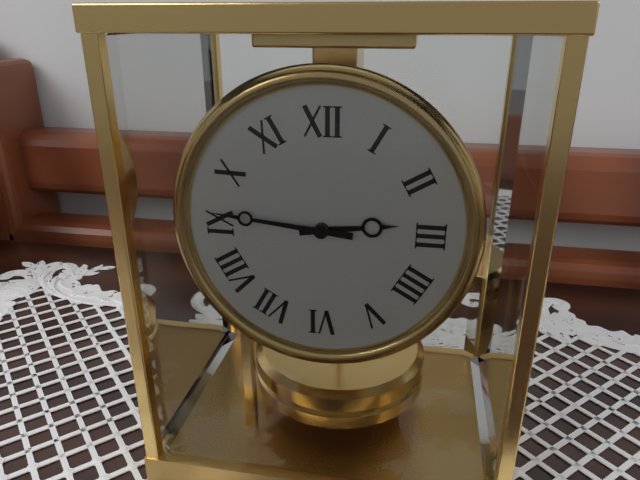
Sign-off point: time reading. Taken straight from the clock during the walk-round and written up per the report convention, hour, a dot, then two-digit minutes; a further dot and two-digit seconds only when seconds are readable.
2.46
